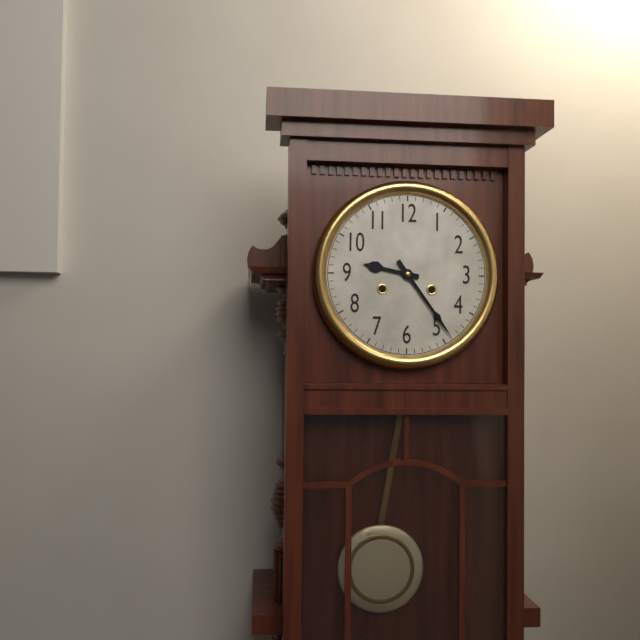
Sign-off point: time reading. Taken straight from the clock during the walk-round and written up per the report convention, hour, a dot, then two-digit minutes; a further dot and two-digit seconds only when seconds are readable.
9.24
